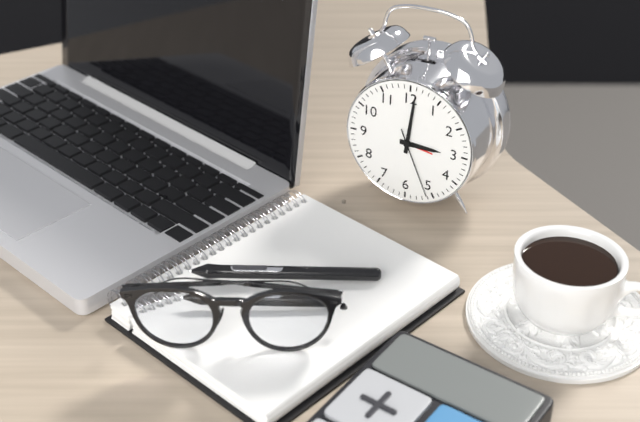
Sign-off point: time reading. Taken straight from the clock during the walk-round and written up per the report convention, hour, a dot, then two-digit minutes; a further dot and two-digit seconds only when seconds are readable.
3.01.26
